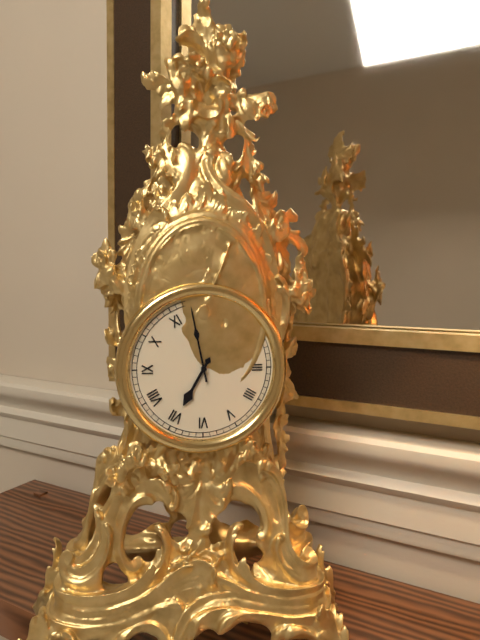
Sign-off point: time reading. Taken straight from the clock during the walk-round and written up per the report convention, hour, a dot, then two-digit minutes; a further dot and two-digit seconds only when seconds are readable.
6.58
